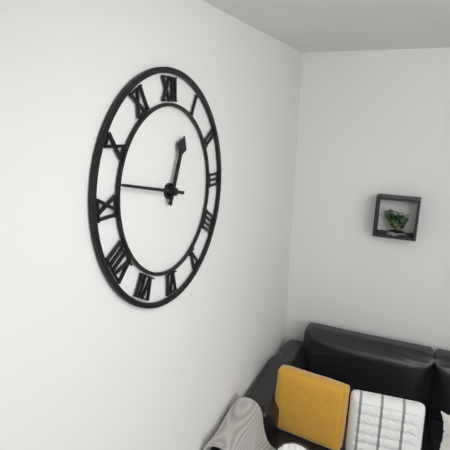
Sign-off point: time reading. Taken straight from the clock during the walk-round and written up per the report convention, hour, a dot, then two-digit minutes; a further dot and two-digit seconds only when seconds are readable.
12.47
